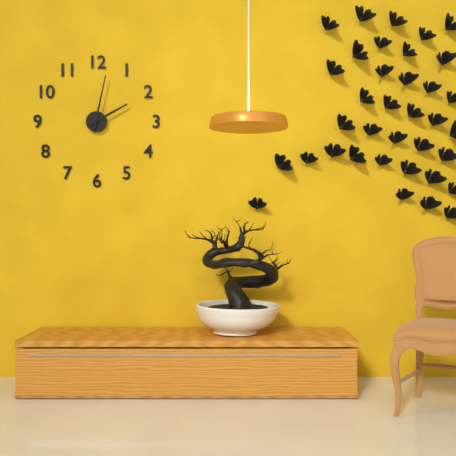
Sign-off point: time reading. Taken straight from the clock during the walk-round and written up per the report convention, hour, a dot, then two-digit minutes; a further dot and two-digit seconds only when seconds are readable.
2.02
